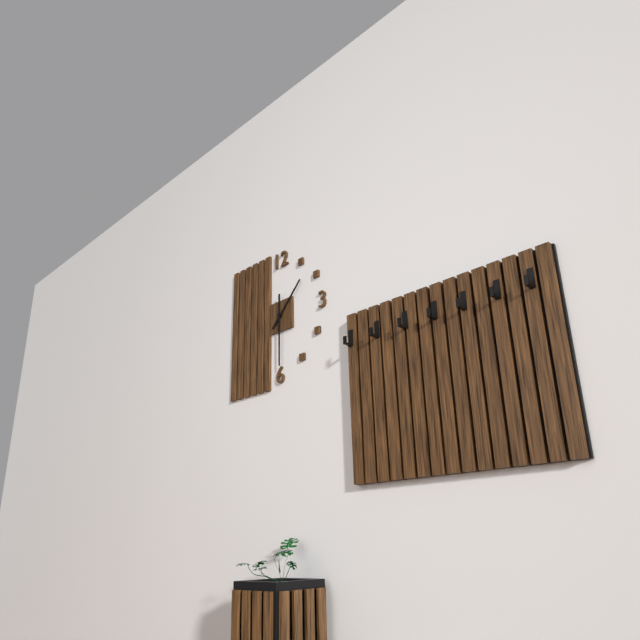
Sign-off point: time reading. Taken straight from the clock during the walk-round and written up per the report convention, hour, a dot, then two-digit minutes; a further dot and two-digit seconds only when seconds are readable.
1.30
